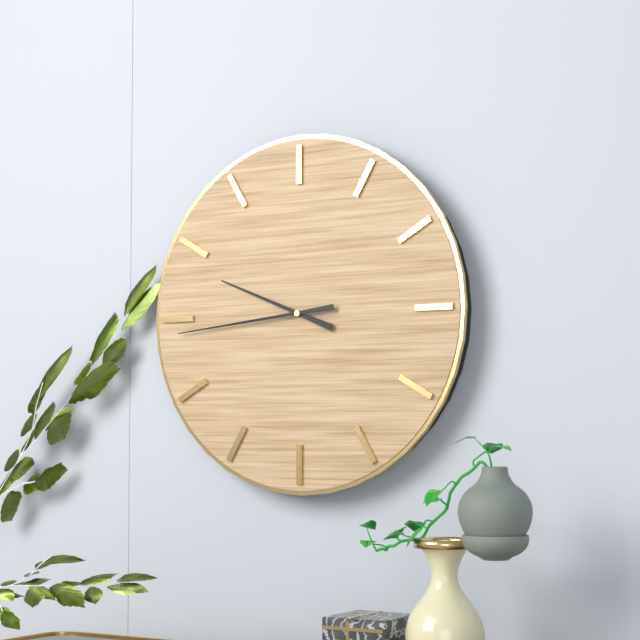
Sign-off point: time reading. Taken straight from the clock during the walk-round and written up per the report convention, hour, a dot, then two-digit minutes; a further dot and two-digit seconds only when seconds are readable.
9.44
